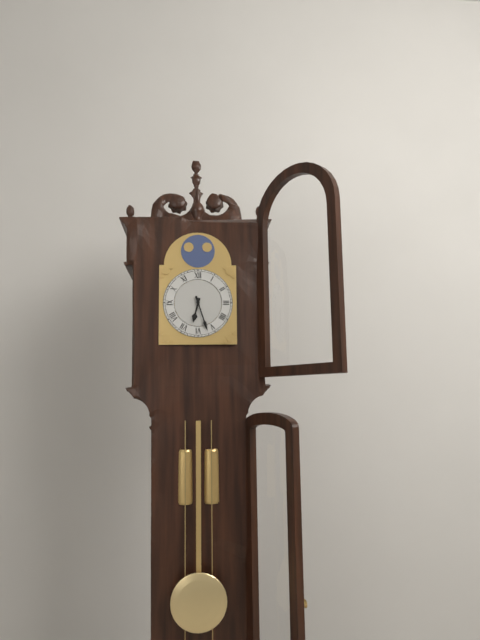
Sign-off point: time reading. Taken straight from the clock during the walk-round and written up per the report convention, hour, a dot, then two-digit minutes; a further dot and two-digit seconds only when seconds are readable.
6.27
